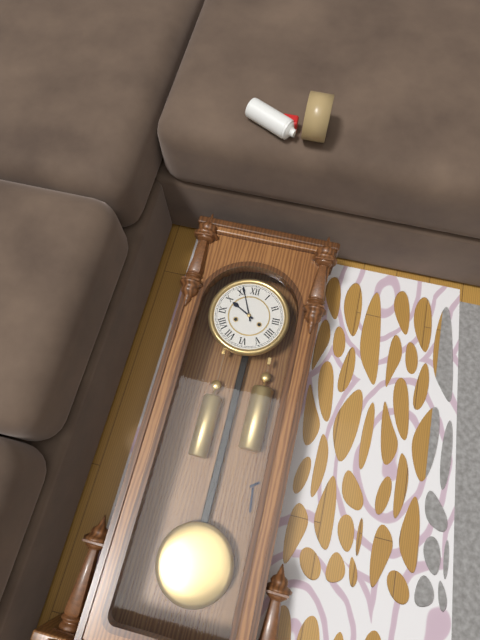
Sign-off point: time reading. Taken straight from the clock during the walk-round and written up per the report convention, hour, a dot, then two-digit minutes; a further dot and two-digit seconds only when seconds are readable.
9.56
